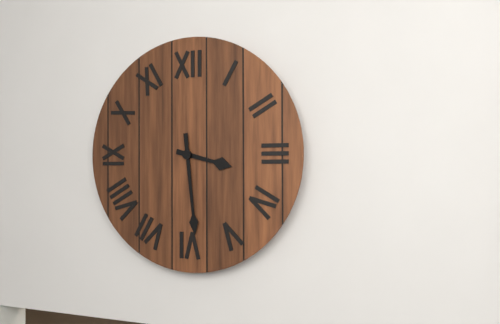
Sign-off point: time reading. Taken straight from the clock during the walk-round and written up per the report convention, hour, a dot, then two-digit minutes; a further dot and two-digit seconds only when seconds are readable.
3.29
